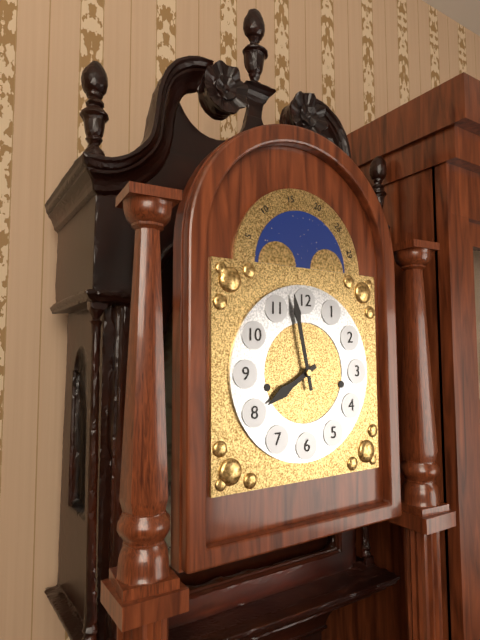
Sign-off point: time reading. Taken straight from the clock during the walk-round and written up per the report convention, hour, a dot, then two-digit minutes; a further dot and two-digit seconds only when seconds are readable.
7.58
